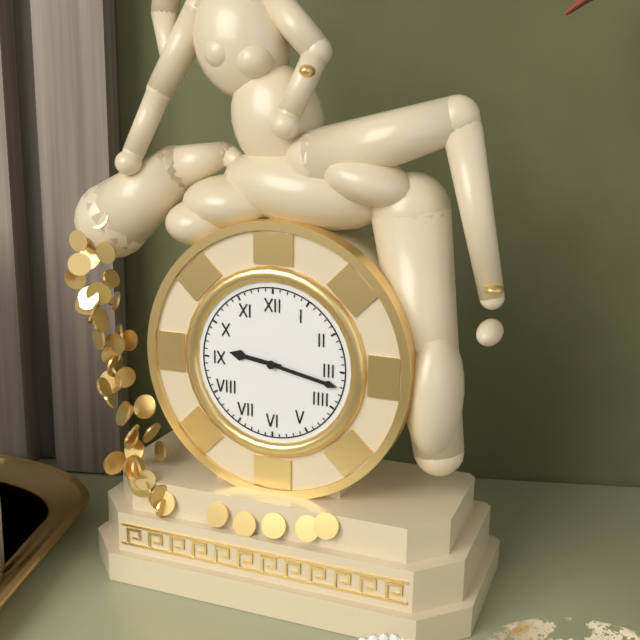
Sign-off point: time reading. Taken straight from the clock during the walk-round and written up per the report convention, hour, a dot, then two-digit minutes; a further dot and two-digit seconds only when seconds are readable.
9.17
